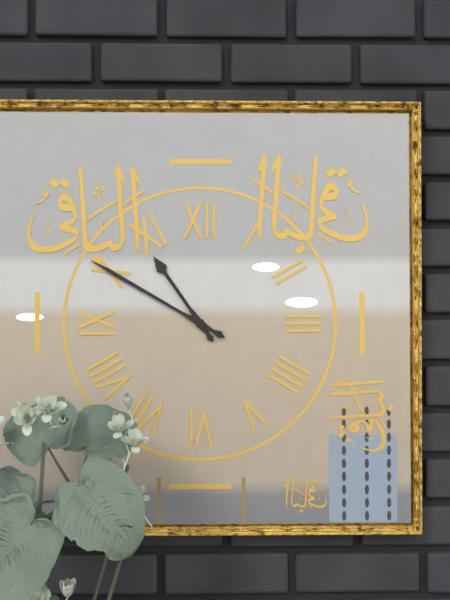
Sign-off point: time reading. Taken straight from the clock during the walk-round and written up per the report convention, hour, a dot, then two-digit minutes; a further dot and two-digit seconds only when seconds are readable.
10.50
